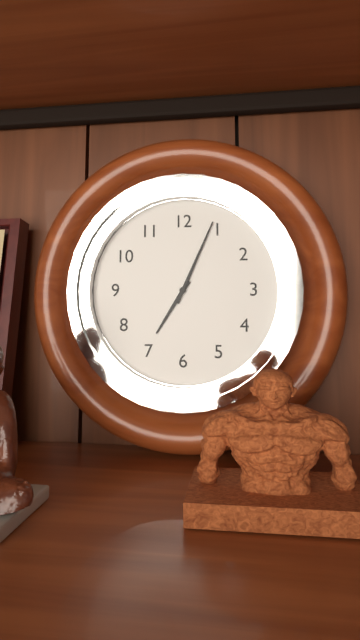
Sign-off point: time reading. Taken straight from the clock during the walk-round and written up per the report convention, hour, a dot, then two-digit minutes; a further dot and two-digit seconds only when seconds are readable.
7.04
